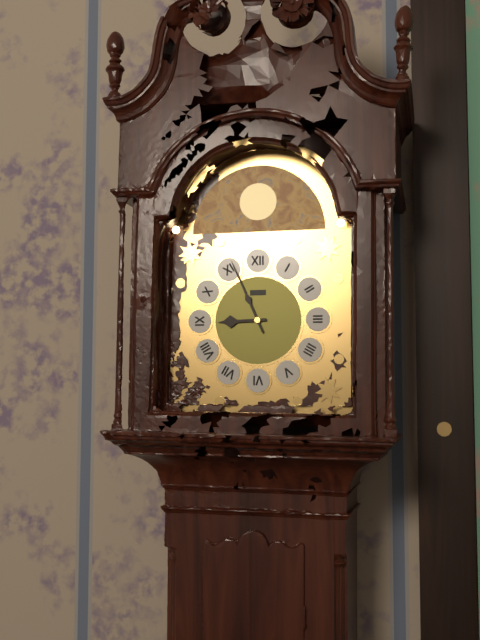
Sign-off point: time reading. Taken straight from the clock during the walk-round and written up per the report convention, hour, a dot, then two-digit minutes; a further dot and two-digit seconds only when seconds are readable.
8.56
